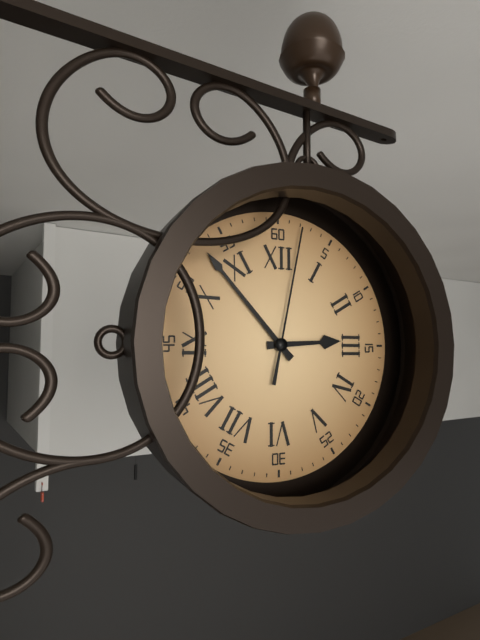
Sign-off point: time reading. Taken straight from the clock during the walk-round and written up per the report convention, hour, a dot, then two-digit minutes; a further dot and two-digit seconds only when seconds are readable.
2.53.02
